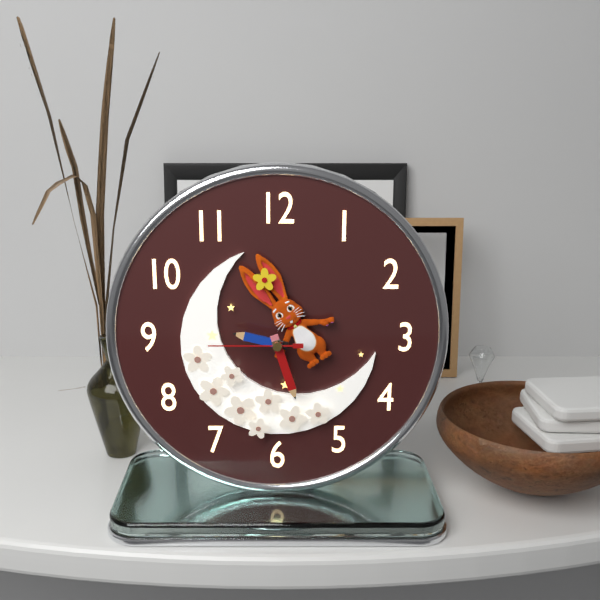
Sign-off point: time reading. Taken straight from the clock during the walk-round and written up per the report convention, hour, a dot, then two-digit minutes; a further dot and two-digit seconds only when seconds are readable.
9.27.45
